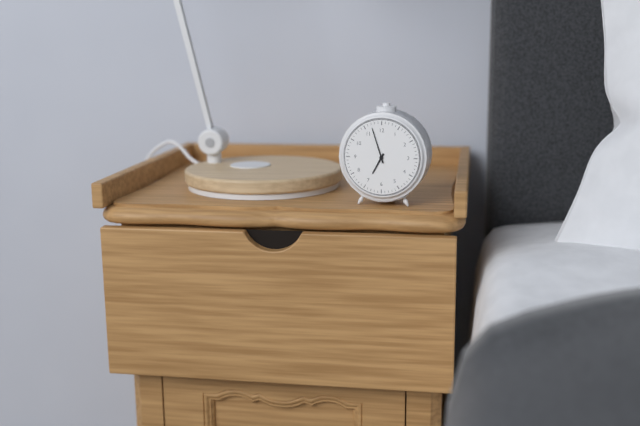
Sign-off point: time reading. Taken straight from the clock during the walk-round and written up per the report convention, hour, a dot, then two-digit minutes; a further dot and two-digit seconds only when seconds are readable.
6.57
